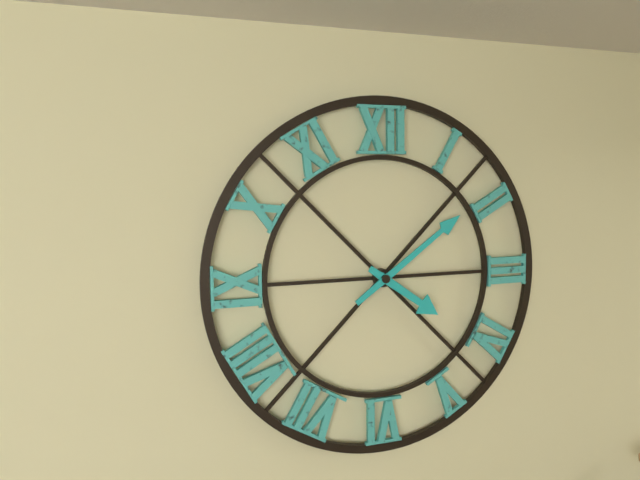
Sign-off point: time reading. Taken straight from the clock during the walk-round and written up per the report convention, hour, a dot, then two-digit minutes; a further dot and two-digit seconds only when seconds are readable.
4.09
